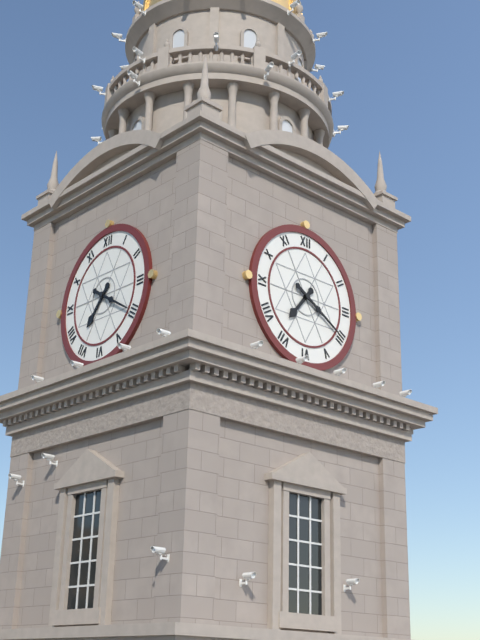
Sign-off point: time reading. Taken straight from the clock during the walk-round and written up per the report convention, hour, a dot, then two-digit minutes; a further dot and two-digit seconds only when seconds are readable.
7.20
